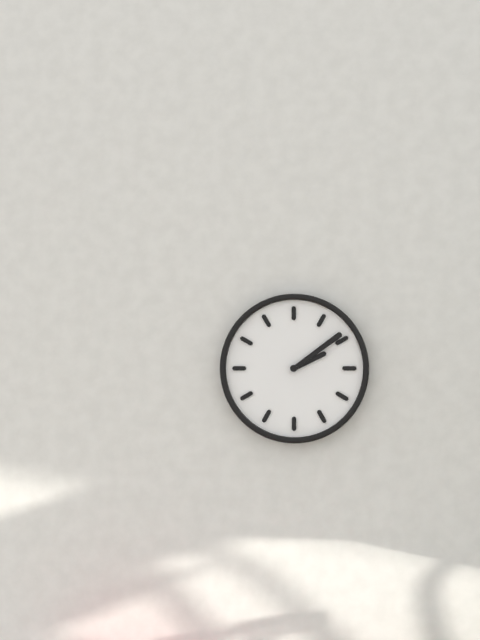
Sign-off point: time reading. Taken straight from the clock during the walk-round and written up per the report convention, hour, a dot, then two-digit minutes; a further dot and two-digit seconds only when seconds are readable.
2.09
